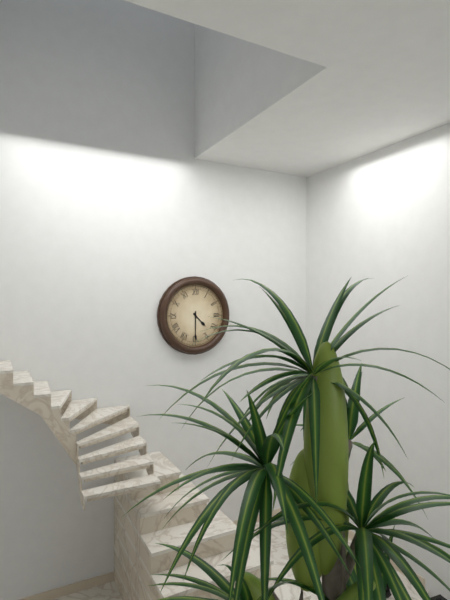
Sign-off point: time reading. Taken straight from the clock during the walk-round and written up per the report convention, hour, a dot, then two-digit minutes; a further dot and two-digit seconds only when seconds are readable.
4.30
